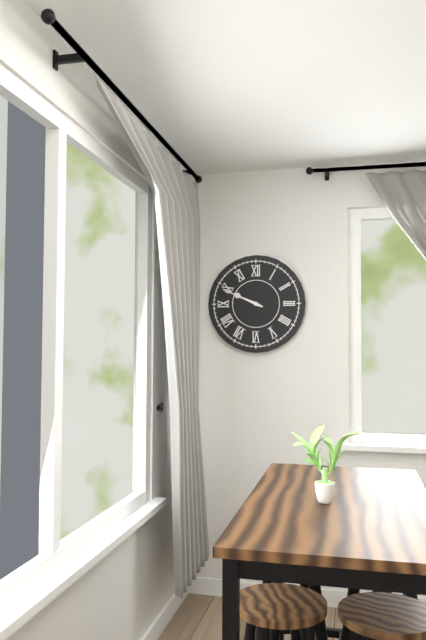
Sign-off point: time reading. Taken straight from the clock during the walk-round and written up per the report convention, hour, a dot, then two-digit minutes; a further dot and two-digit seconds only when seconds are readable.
9.49
